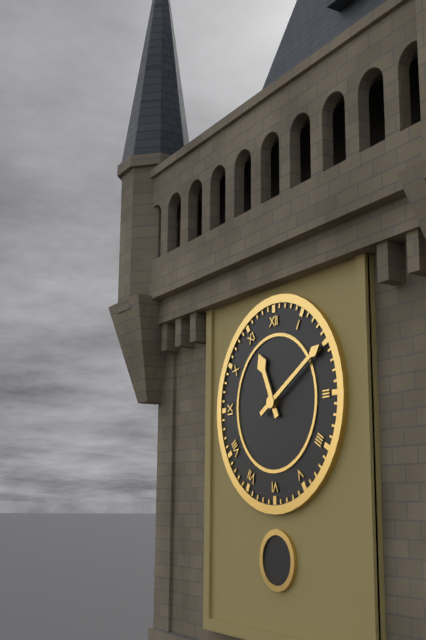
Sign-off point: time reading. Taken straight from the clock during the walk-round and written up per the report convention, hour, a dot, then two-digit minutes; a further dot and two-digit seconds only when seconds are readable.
11.10
